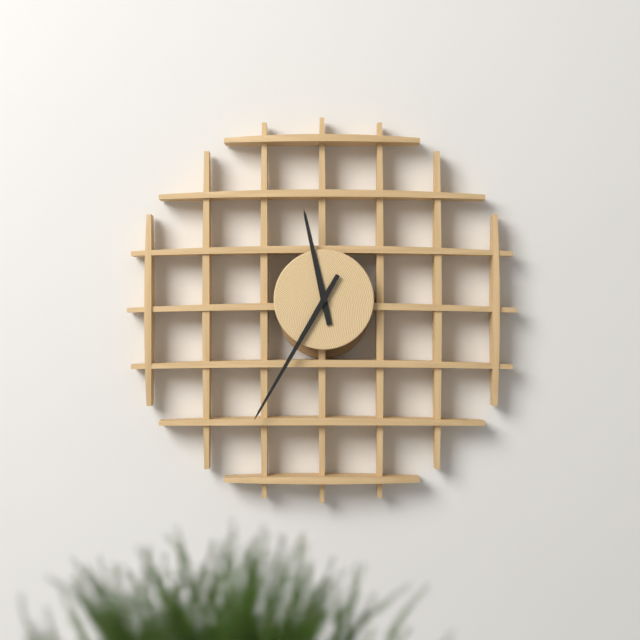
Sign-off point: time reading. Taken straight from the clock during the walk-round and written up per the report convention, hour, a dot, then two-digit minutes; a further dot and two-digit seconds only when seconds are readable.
11.35
